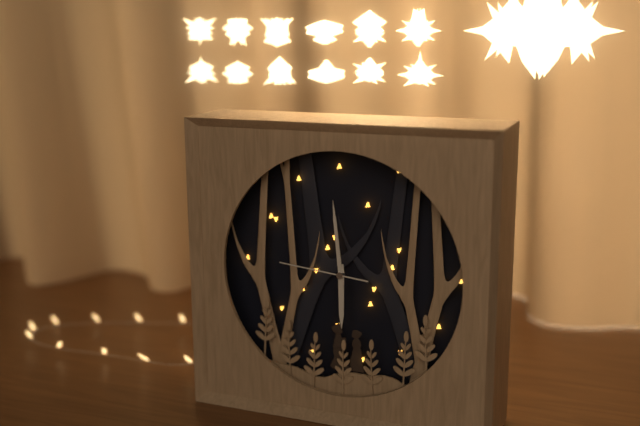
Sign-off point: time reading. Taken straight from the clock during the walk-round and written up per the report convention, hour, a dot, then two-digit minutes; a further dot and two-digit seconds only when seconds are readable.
5.59.46
